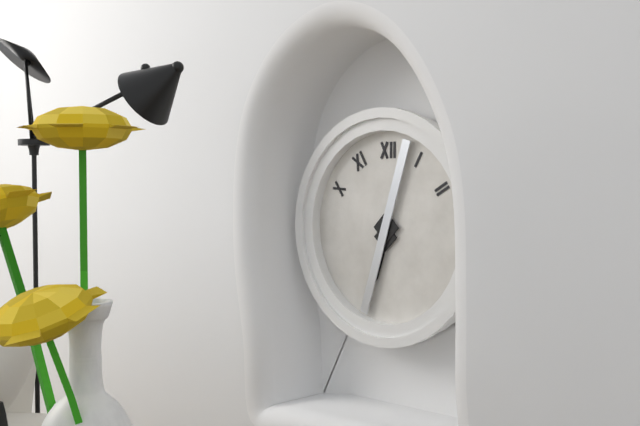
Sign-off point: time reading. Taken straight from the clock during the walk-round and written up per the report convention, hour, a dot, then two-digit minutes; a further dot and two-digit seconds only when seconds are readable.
6.33
